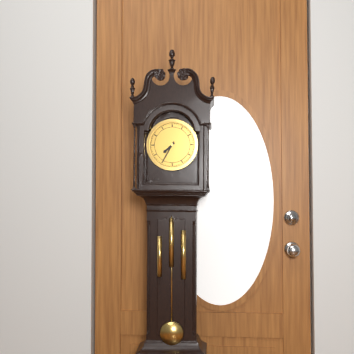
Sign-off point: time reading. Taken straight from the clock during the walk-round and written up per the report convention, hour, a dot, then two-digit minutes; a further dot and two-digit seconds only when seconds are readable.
7.35
